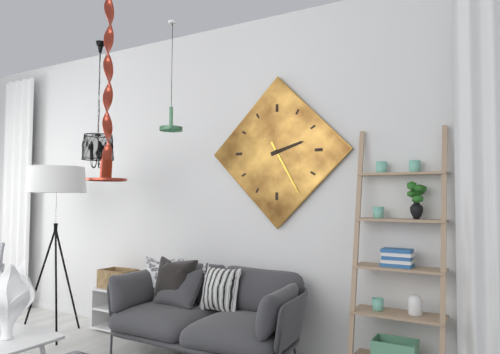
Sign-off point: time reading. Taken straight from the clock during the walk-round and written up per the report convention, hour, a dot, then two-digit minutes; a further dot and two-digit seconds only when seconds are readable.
2.25
